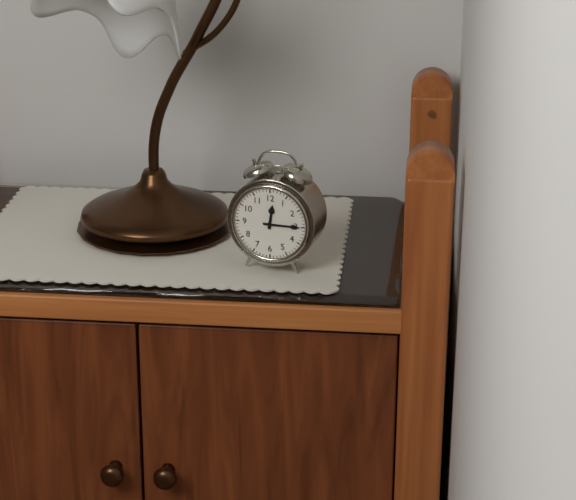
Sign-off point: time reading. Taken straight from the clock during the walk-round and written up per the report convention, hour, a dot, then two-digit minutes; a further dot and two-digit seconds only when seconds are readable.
12.15
